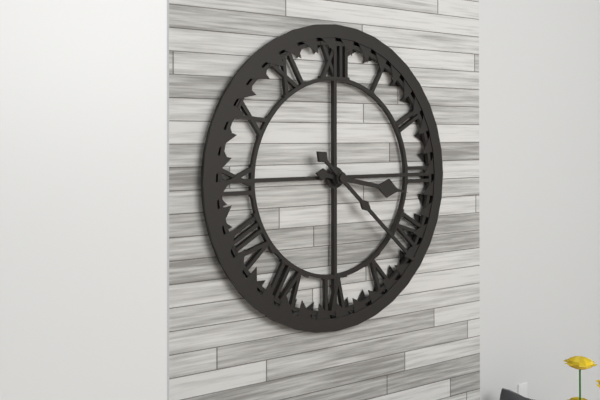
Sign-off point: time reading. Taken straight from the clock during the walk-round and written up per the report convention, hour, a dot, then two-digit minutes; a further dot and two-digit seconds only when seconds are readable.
3.22
